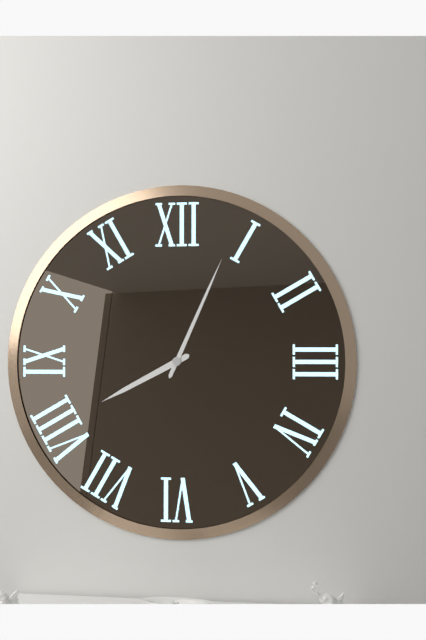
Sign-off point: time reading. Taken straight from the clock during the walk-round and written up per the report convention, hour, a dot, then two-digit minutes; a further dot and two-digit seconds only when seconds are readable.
8.04
